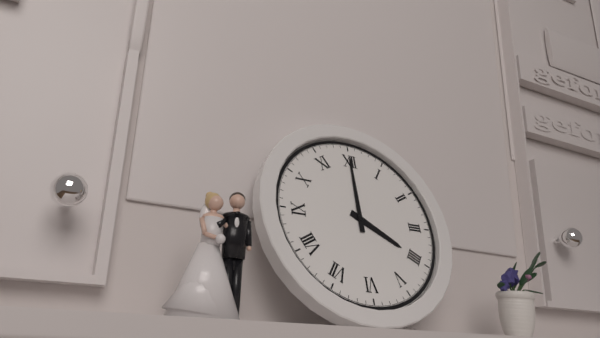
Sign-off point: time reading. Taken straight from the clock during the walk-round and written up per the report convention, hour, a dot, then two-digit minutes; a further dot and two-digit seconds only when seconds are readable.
4.00
